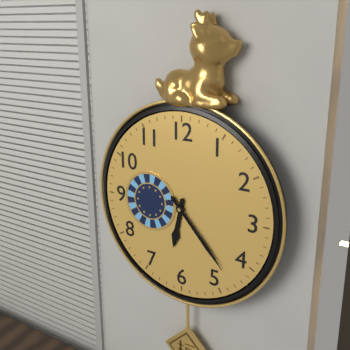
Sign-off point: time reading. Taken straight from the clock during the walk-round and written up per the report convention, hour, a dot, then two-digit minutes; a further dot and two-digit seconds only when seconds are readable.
6.23
